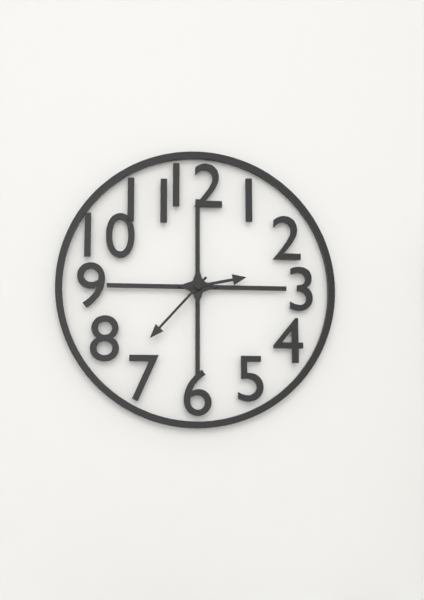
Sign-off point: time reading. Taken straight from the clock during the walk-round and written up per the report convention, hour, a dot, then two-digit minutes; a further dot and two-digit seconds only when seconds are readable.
2.37
